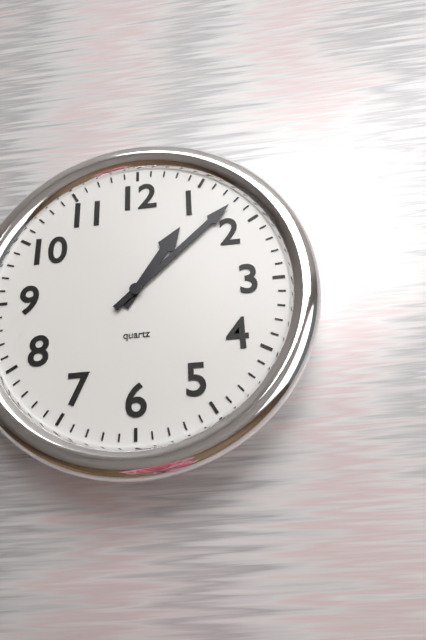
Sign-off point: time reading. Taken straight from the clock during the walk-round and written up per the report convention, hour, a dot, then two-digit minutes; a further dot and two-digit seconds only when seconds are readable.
1.08
